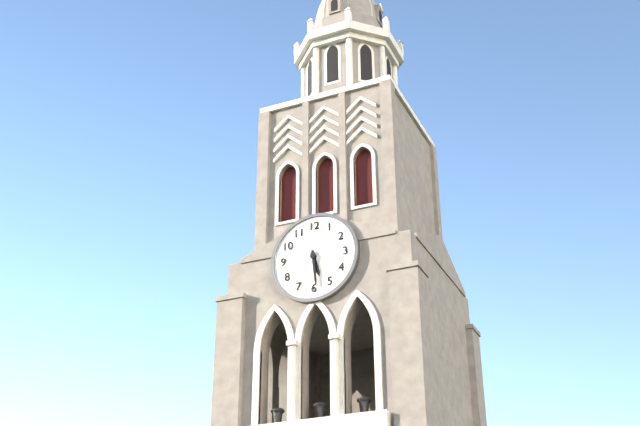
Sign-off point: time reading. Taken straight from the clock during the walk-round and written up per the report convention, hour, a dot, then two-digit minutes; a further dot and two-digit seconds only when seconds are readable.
5.29
